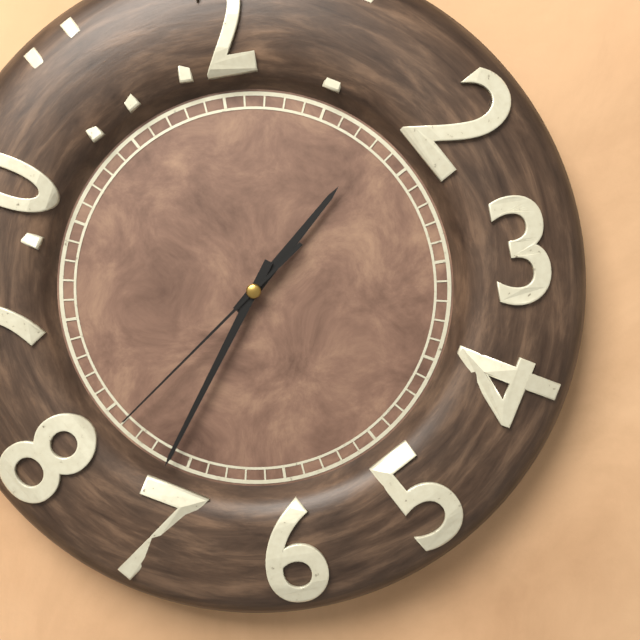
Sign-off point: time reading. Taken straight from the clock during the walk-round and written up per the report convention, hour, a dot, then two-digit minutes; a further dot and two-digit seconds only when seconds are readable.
1.36.39
